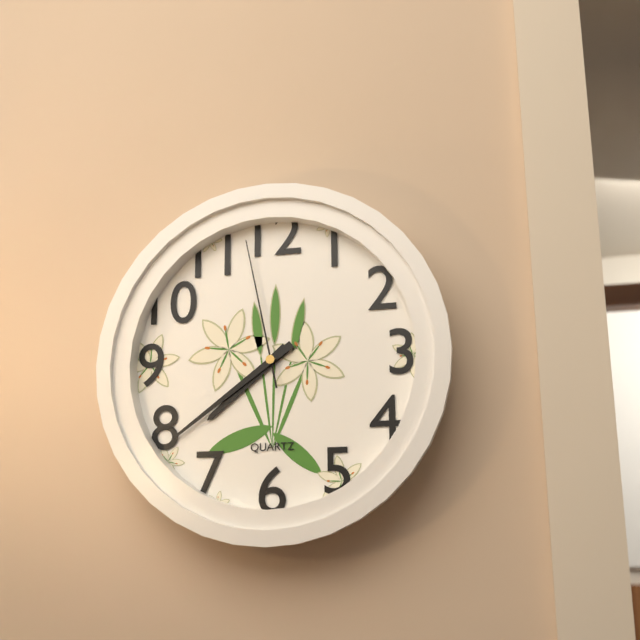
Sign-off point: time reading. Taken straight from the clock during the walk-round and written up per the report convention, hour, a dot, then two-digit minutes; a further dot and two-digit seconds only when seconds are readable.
7.39.58
